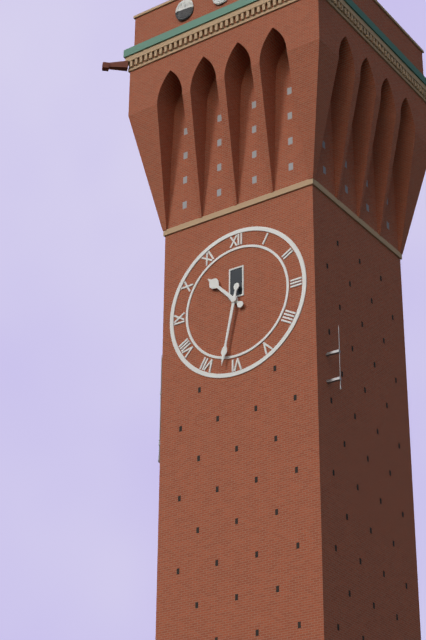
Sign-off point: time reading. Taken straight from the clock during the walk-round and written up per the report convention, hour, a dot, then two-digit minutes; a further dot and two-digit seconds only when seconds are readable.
10.32
